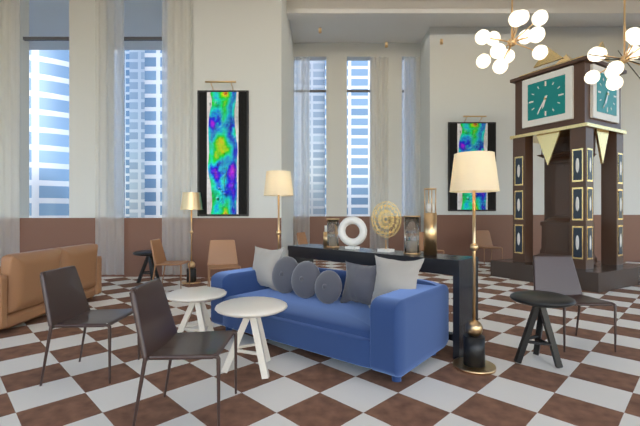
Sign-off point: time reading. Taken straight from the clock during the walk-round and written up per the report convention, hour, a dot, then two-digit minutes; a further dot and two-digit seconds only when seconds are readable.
6.35
